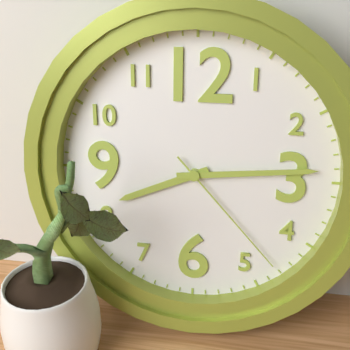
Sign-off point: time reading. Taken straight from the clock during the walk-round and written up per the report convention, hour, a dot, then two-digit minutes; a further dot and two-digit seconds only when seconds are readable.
8.14.23
